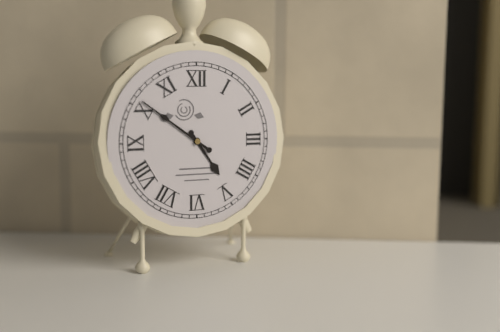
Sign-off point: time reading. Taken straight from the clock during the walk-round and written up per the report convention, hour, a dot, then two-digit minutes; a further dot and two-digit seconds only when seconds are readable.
4.51
